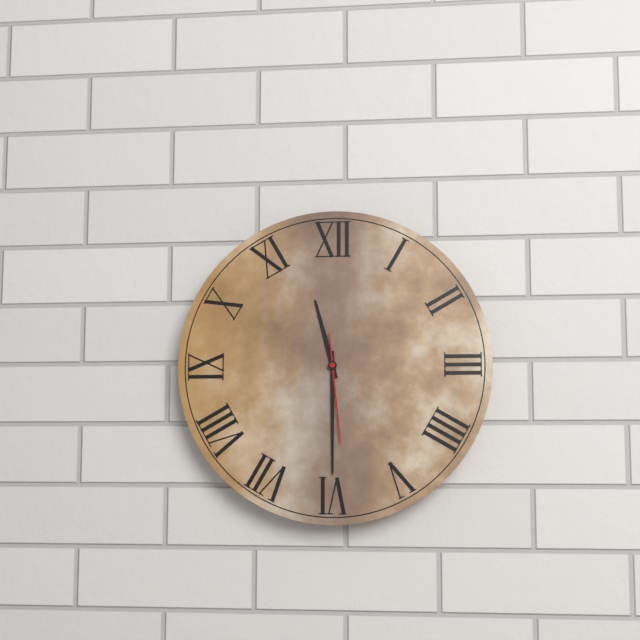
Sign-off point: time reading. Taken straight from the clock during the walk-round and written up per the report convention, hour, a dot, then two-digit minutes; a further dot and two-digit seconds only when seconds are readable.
11.30.29
